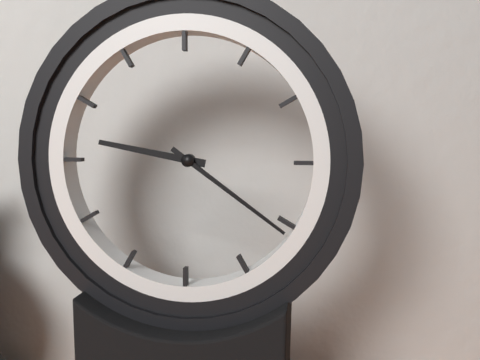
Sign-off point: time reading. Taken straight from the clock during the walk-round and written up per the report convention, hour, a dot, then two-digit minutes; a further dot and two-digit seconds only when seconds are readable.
9.21
